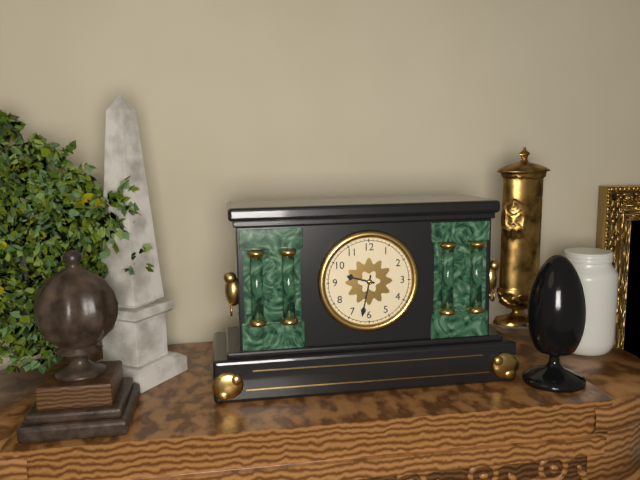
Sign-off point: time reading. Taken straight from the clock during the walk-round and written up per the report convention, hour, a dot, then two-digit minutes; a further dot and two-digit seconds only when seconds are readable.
9.32
